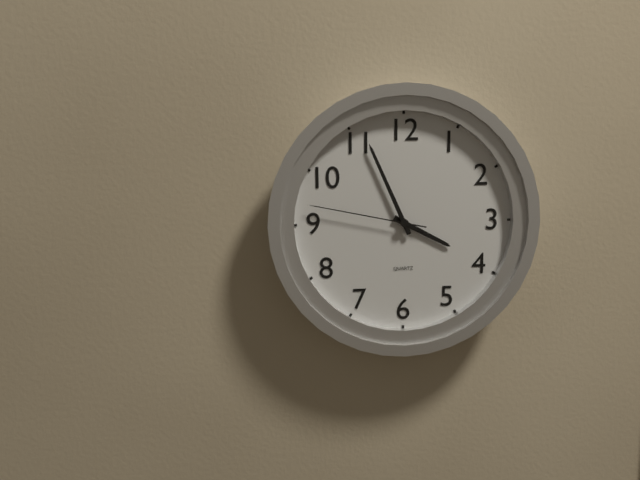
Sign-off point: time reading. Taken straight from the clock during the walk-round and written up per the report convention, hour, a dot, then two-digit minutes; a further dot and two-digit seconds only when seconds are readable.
3.56.47
